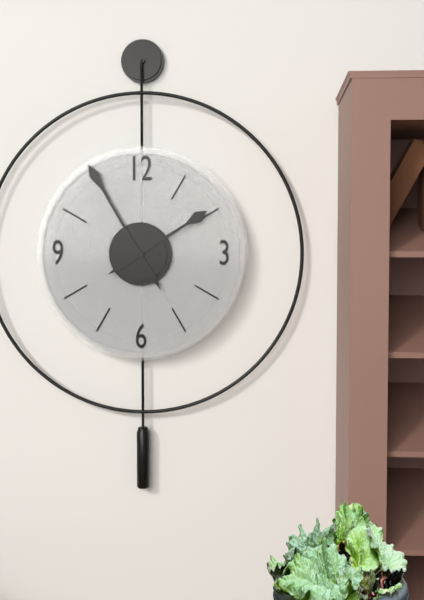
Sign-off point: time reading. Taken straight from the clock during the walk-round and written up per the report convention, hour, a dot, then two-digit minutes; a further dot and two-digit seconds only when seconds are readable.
1.55
